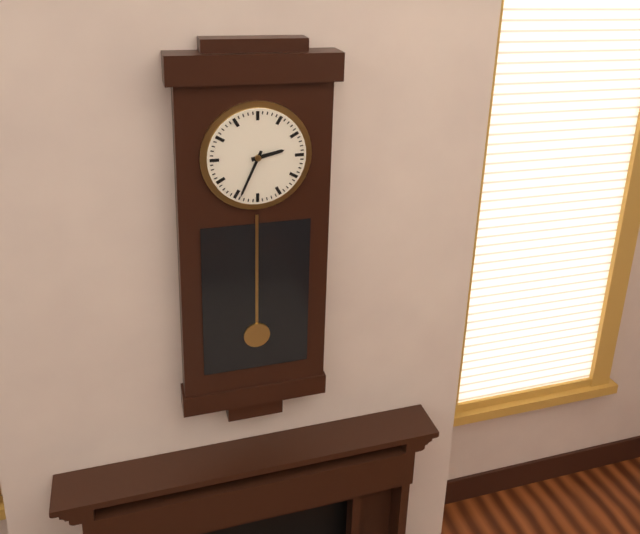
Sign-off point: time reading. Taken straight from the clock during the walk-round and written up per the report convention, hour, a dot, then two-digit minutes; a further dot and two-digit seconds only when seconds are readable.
2.34
